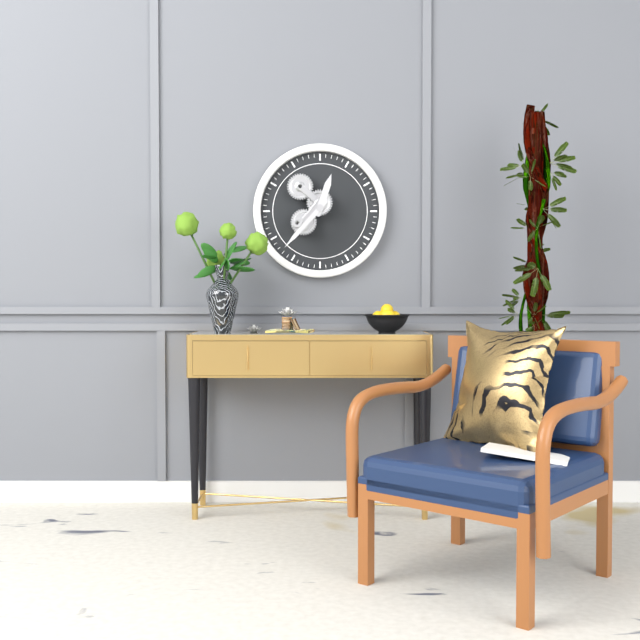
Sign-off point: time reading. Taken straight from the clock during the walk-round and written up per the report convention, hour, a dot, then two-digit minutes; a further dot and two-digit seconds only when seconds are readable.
12.37
